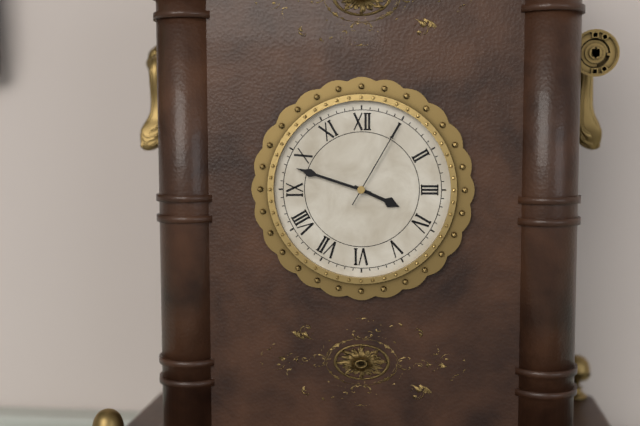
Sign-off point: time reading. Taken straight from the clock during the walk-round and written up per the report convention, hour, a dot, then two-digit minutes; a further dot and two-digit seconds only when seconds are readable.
3.48.05
